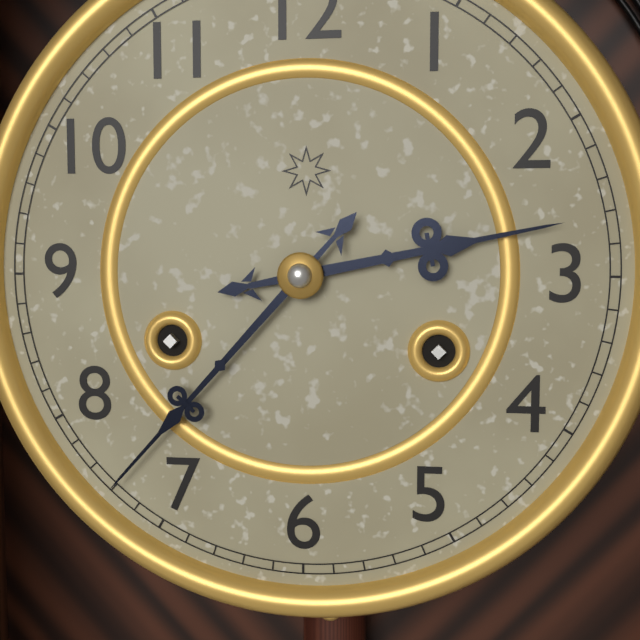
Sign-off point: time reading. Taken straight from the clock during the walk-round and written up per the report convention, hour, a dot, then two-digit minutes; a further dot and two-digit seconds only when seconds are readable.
2.37
